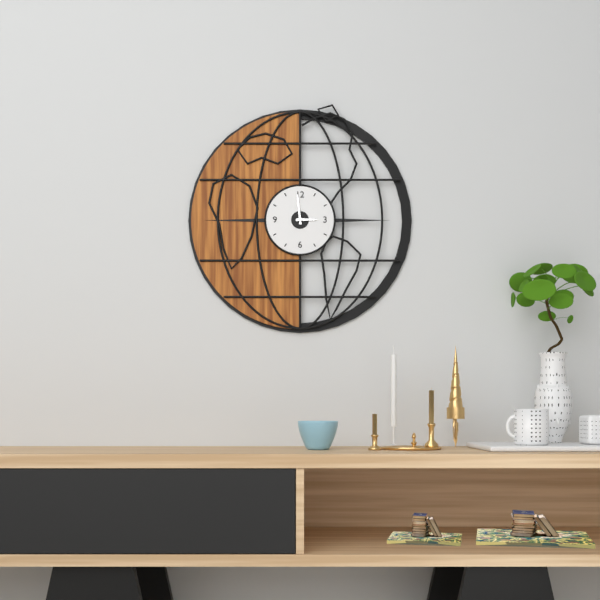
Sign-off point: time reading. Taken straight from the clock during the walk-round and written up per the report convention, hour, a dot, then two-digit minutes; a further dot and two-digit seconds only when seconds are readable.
2.59
